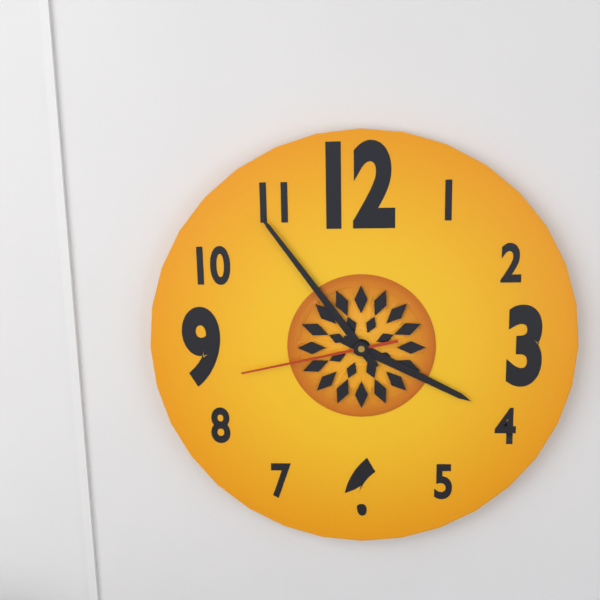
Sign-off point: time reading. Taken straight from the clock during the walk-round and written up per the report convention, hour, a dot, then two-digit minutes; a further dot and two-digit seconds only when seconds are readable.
3.54.43
